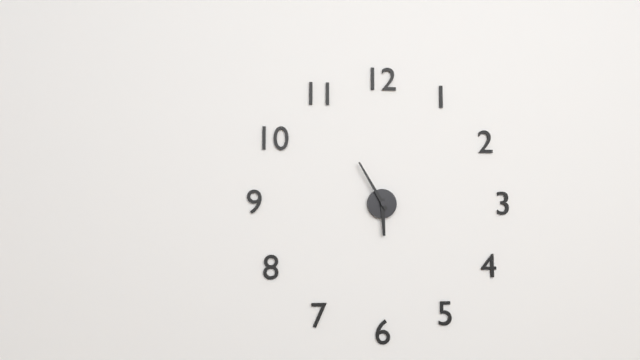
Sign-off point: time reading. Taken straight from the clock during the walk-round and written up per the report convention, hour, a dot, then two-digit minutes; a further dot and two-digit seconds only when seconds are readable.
5.55
